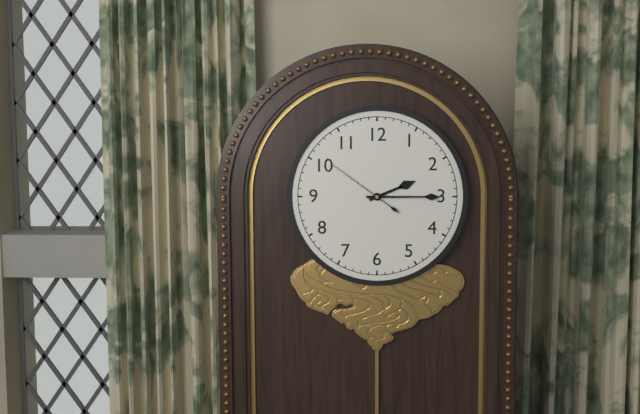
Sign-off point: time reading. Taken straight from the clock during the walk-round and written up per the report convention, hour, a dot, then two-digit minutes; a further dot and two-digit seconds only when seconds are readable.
2.15.51
